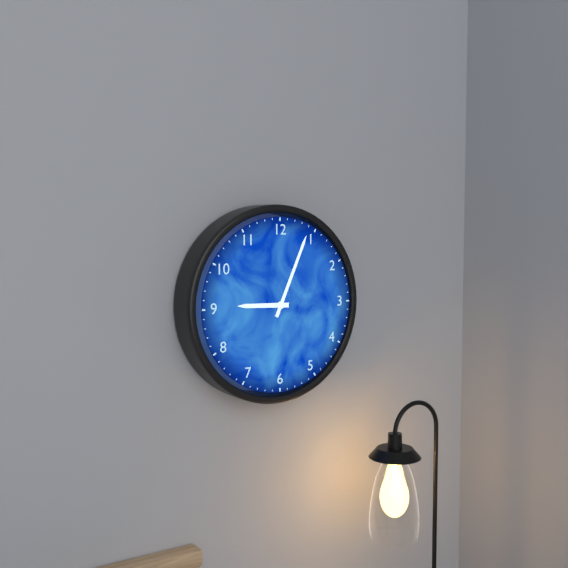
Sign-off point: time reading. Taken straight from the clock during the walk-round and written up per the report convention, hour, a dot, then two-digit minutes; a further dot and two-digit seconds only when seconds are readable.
9.04
